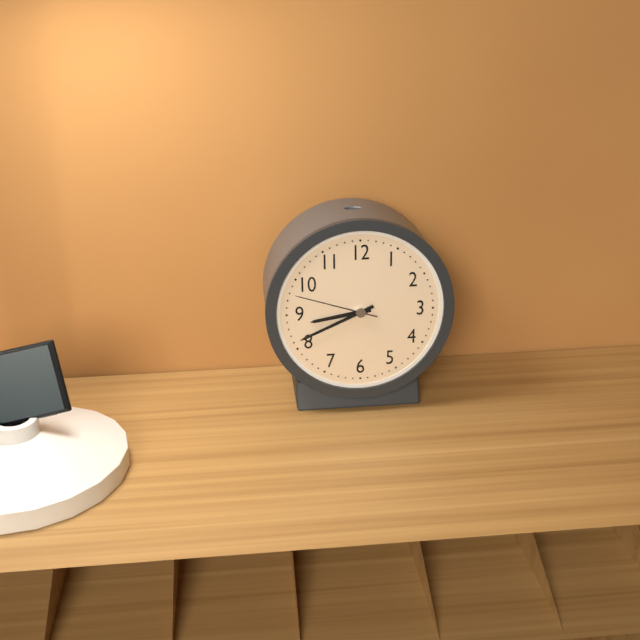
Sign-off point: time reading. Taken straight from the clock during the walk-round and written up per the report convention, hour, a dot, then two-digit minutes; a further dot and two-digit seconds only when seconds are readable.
8.41.48
